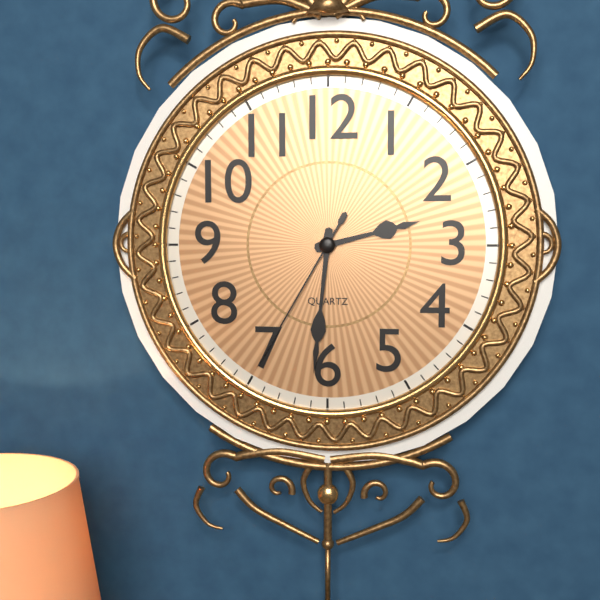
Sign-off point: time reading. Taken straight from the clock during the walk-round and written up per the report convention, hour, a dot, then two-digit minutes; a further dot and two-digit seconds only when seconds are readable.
2.31.35
